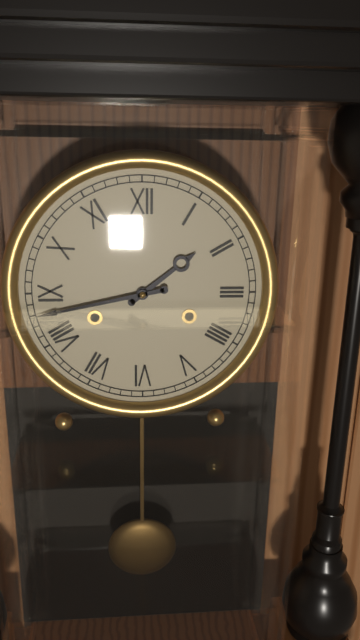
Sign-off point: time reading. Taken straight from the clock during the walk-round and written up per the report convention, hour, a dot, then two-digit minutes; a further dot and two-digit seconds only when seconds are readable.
1.43
